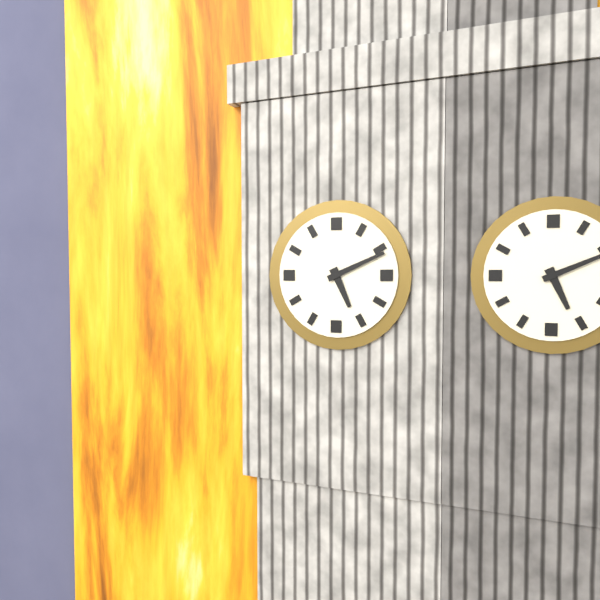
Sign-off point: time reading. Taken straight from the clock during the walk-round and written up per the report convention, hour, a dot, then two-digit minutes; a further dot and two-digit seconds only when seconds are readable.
5.11
